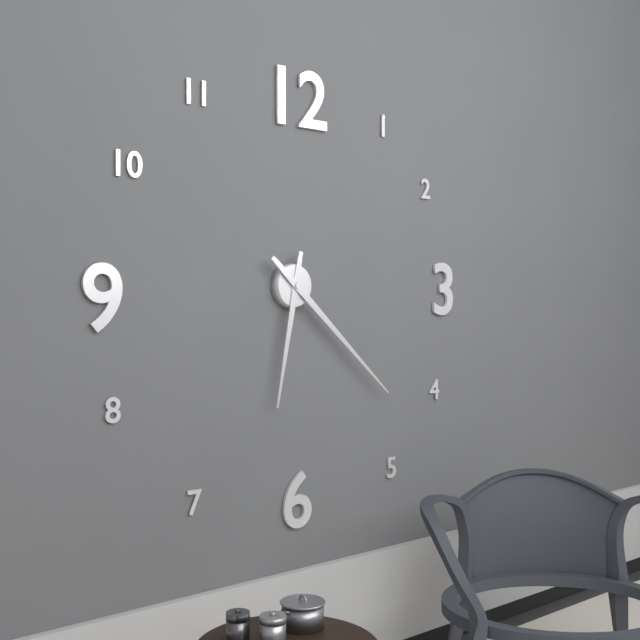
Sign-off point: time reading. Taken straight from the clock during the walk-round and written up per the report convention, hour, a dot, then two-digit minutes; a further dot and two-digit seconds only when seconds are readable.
6.22
